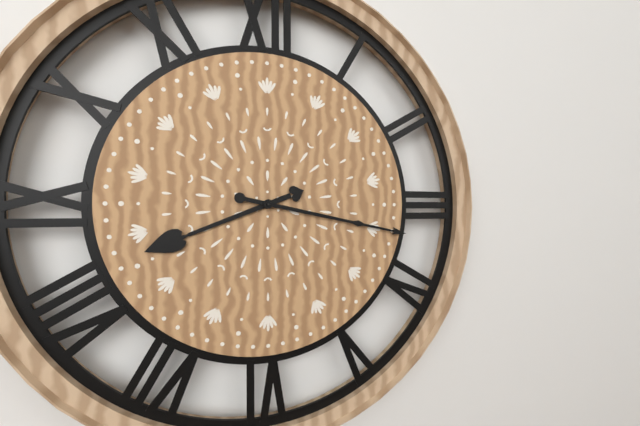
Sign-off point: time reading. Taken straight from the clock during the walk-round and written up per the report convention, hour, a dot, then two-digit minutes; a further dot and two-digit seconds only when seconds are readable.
8.17
